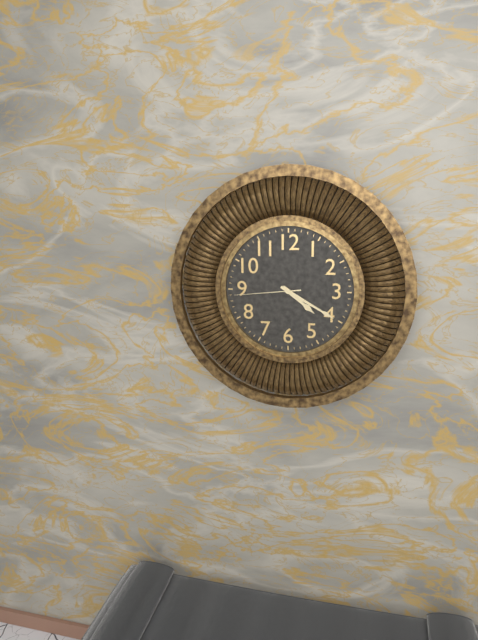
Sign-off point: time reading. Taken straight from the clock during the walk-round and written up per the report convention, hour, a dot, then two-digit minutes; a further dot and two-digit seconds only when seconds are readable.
4.20.44
